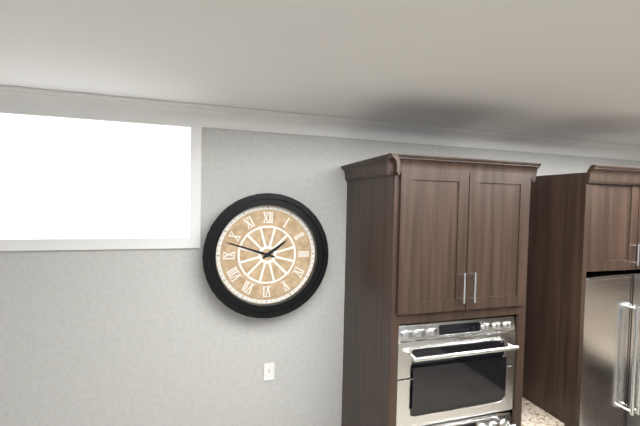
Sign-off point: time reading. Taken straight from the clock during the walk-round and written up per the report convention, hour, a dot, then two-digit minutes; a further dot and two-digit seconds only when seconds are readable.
1.48
